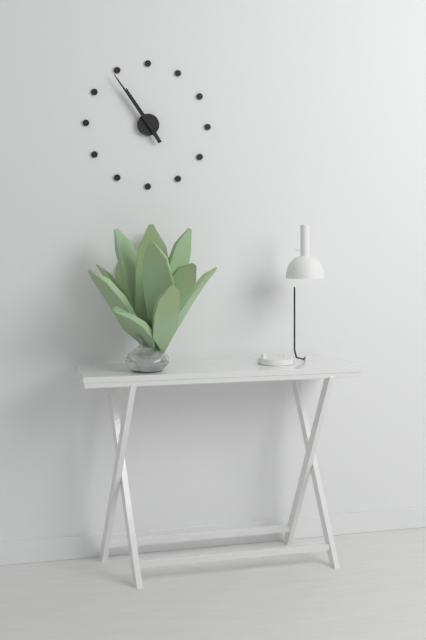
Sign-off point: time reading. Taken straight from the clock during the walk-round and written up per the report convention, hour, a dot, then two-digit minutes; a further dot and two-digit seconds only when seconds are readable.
10.54
